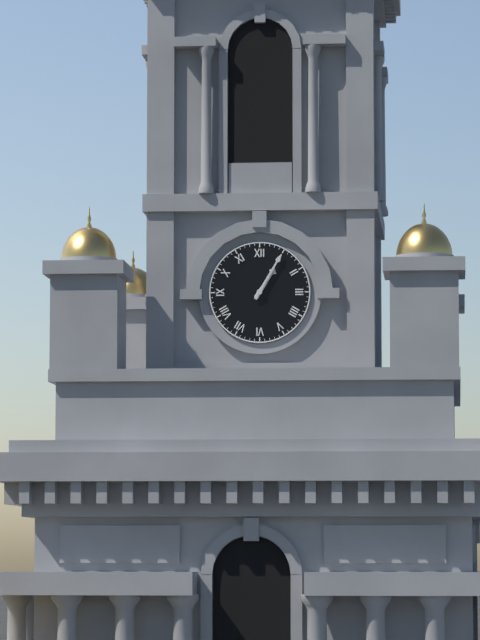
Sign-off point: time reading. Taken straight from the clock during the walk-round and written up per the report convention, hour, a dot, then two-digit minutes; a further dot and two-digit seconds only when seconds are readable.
1.05
